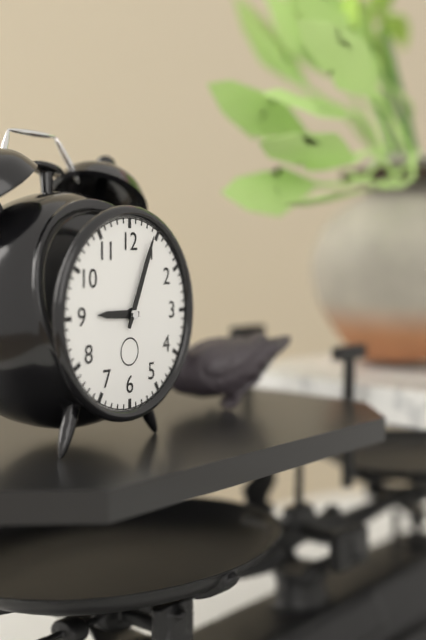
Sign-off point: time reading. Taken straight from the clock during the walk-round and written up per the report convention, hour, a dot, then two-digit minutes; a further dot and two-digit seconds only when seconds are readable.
9.04
